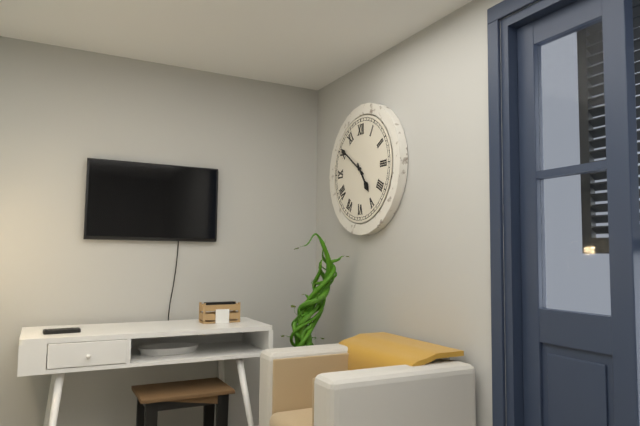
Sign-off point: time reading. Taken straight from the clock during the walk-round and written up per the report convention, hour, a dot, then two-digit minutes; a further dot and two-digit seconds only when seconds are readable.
4.51
